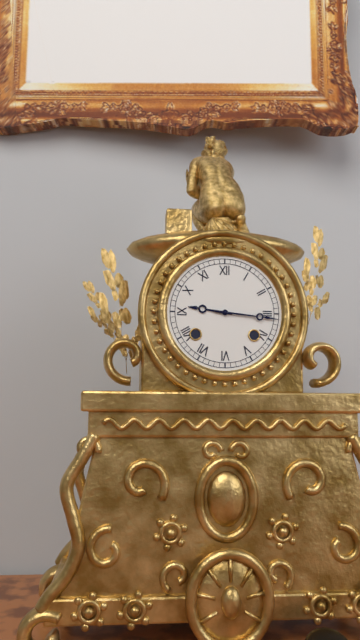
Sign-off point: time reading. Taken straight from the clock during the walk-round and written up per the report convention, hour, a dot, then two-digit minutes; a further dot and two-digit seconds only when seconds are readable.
9.16
